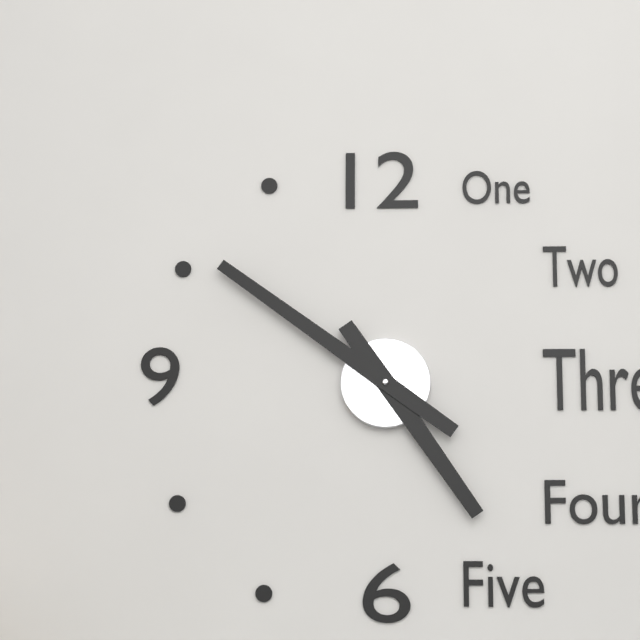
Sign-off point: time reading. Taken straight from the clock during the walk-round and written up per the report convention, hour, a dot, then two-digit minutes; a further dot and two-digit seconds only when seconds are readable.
4.51
